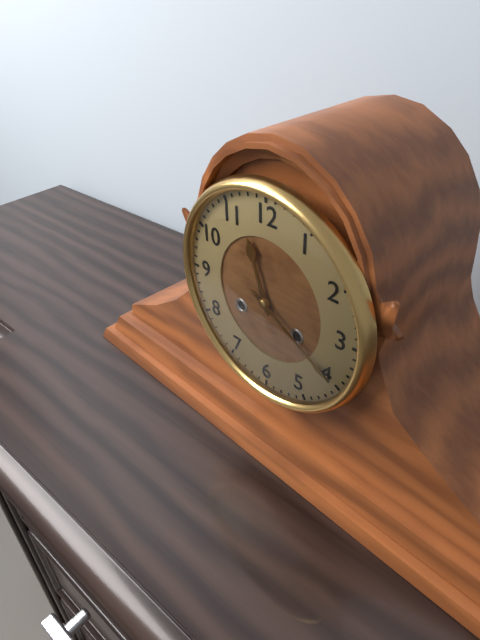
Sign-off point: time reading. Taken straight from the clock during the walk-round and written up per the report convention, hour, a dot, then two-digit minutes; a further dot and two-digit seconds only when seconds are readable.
11.20
